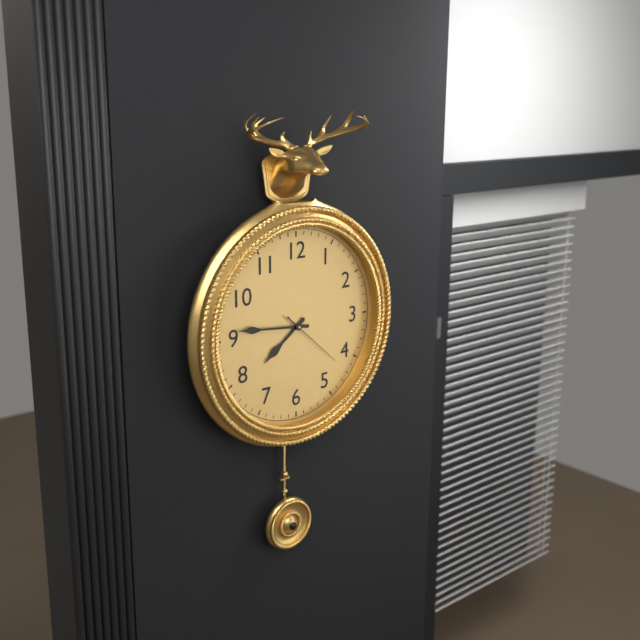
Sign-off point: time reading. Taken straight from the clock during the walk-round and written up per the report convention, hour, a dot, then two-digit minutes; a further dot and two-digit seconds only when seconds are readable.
7.46.22
